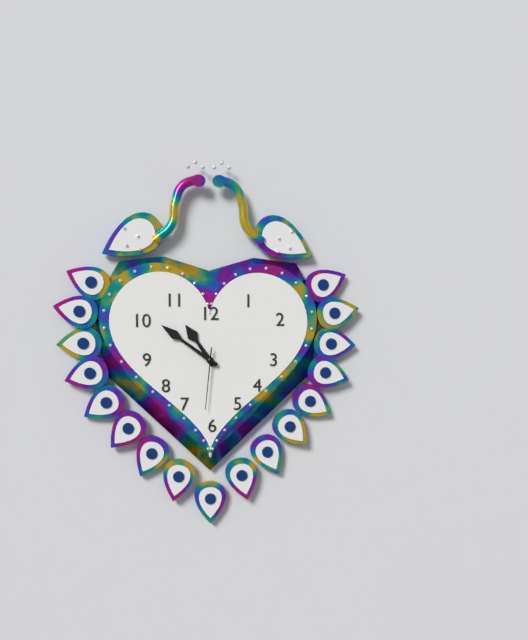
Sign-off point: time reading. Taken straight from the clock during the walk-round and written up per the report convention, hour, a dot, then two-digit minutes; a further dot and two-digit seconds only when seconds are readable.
10.51.31
